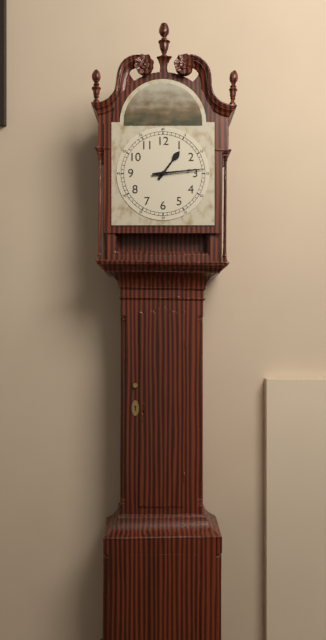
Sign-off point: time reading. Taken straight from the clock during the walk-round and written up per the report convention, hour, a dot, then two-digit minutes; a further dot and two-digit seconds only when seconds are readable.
1.14
